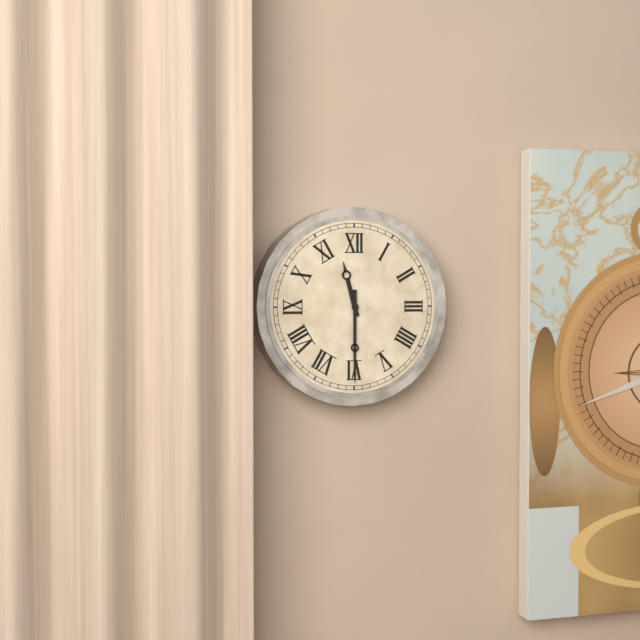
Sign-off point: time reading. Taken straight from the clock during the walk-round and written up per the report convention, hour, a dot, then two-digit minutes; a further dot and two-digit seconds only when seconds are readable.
11.30
